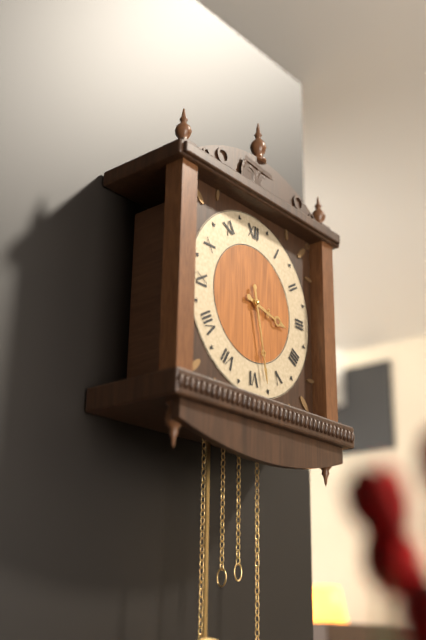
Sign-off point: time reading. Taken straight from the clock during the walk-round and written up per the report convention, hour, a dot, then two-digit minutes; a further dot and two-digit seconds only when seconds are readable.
3.28
